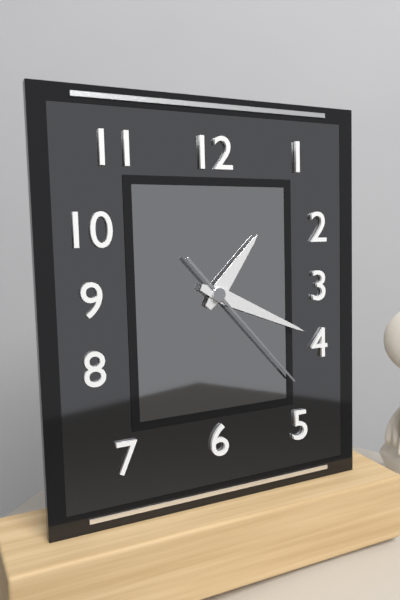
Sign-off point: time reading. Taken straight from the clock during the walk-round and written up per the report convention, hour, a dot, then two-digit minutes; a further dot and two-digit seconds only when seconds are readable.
1.19.23
